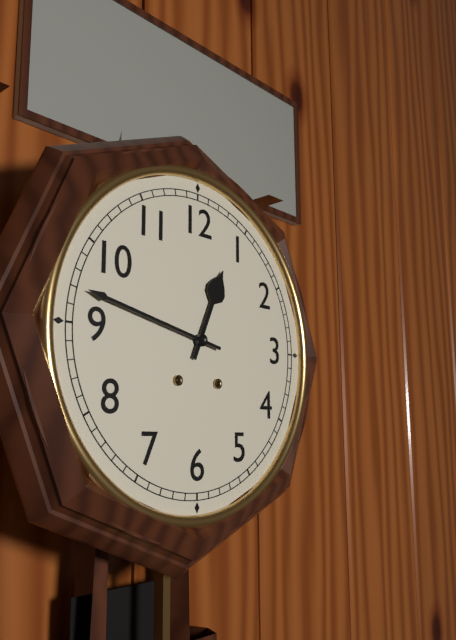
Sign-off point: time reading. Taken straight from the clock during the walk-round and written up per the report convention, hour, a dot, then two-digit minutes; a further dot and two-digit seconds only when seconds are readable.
12.47
